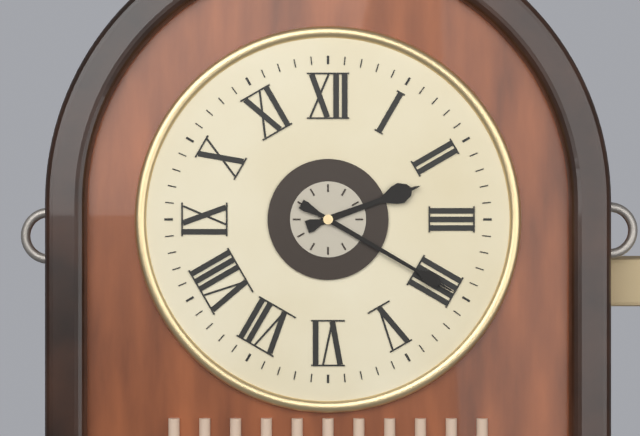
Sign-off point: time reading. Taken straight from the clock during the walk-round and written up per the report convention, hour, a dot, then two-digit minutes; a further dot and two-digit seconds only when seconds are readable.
2.20
